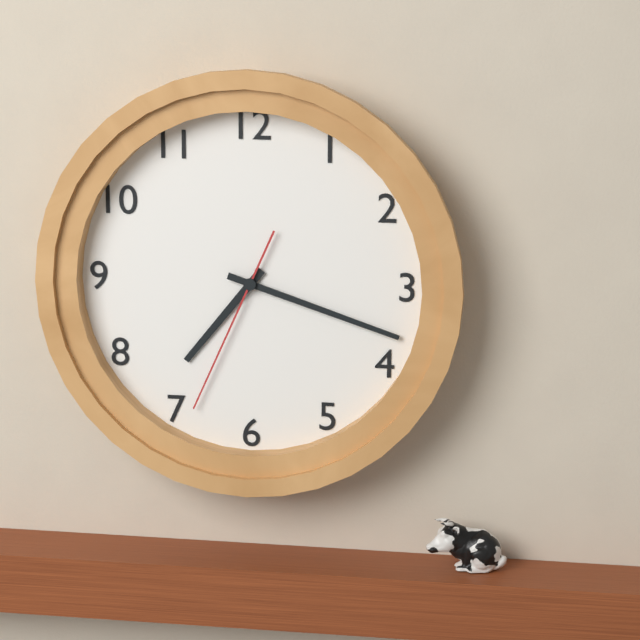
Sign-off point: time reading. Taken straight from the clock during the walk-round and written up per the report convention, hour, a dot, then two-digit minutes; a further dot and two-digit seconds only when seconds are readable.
7.18.34
